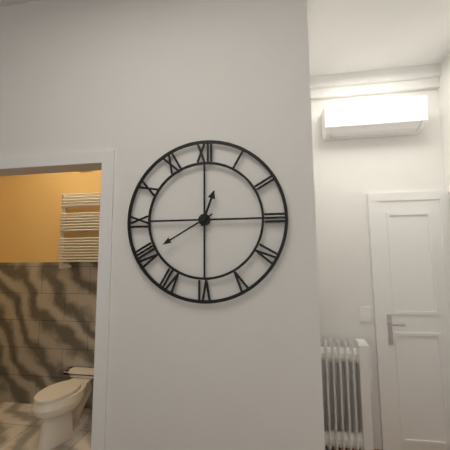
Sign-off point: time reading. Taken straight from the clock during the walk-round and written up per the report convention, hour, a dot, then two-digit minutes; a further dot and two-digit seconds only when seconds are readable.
12.40
